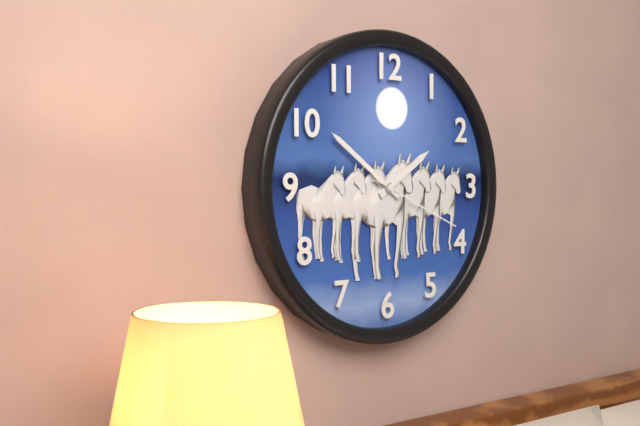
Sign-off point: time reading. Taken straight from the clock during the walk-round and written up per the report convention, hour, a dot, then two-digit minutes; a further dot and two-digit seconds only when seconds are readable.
1.51.19
